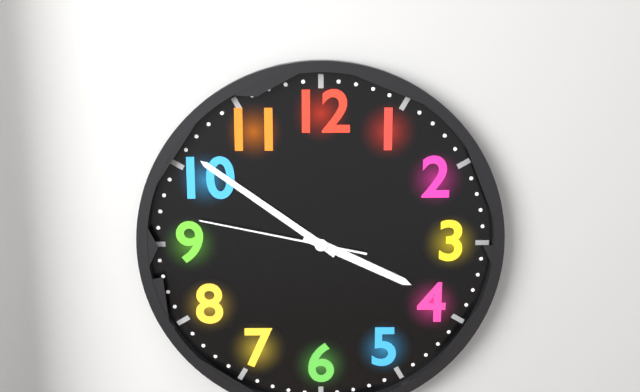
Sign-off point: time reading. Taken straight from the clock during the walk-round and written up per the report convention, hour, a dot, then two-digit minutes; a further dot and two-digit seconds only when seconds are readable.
3.51.47
